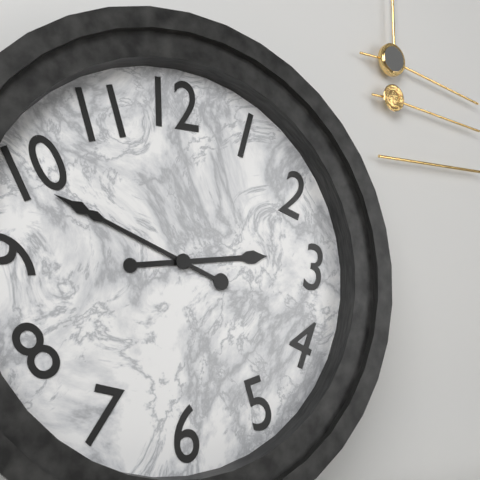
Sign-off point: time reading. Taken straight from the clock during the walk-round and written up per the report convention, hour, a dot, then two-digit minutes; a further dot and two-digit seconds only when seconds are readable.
2.49
